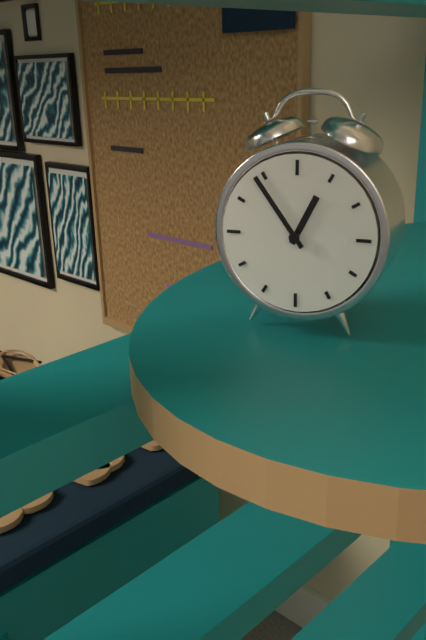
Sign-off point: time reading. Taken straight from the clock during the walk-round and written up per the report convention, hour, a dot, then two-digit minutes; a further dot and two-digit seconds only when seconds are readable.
12.54
